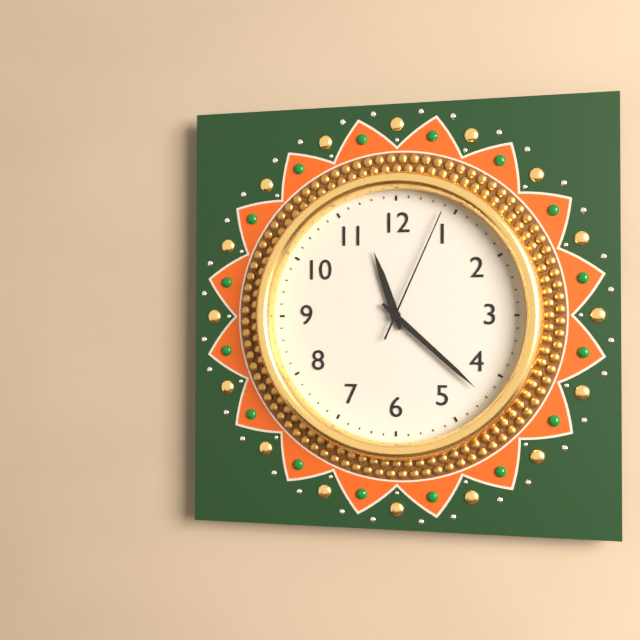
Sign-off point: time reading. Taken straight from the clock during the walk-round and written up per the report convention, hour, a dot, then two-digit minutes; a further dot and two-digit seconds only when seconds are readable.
11.22.04
